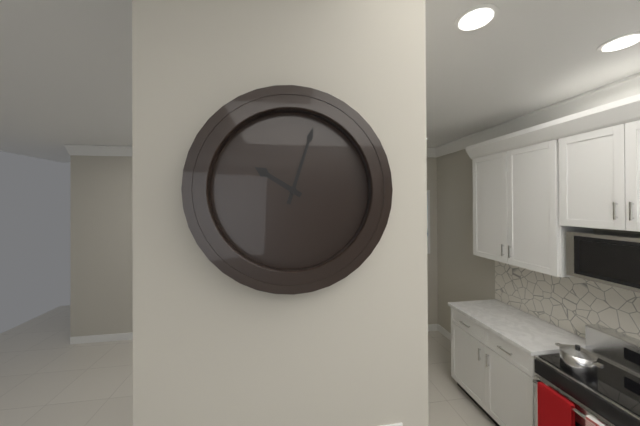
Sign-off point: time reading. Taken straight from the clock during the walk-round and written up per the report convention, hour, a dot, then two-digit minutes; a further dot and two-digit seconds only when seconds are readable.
10.03
